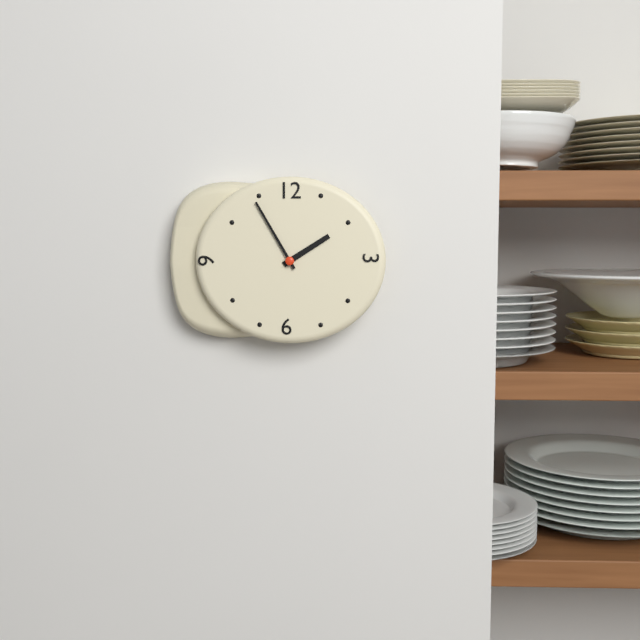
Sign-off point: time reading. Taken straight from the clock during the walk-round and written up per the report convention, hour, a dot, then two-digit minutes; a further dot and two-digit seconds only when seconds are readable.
1.55
